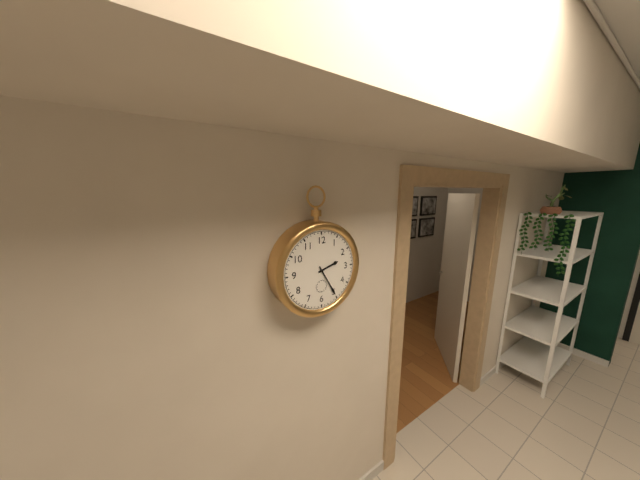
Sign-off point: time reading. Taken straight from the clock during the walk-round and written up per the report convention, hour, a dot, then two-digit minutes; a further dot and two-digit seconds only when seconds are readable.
2.25
